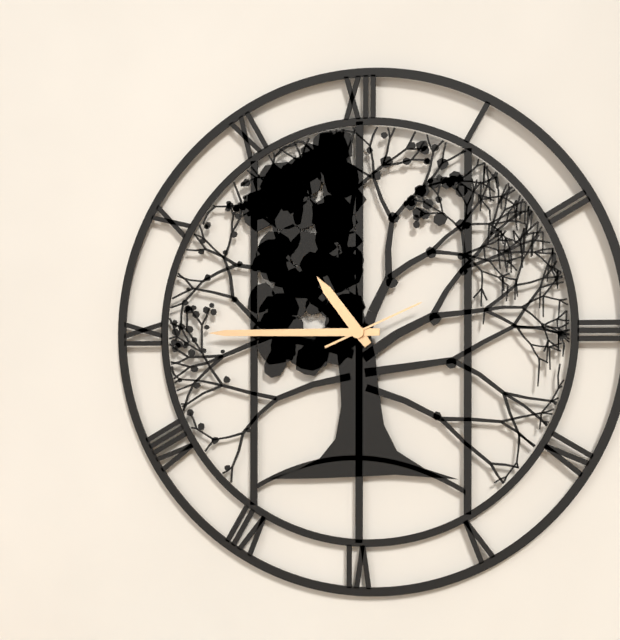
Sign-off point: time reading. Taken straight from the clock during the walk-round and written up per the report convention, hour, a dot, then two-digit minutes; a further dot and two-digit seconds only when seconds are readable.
10.45.11
